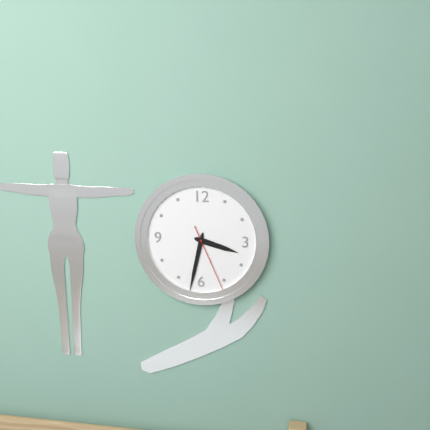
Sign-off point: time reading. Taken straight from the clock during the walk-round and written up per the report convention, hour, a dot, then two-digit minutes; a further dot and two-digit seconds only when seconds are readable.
3.32.26
